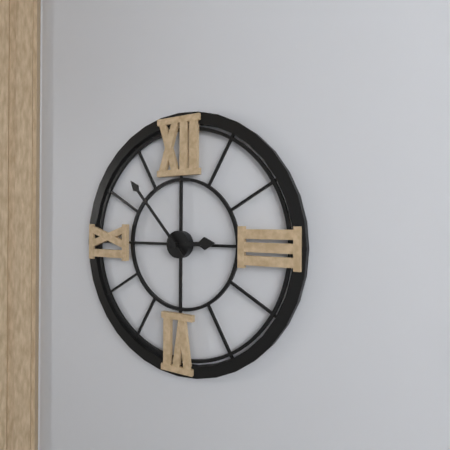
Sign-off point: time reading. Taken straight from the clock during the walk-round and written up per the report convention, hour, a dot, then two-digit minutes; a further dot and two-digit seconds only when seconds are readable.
2.53
